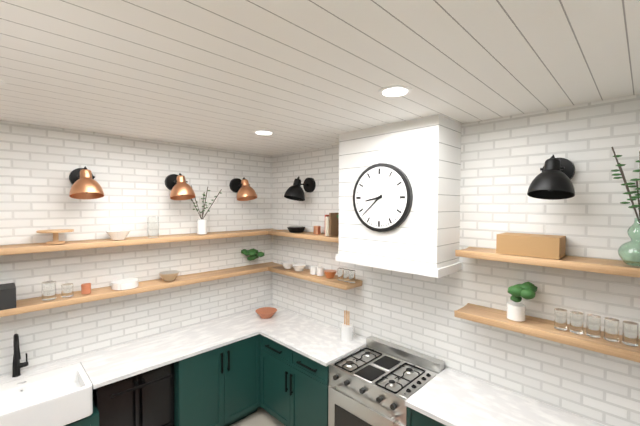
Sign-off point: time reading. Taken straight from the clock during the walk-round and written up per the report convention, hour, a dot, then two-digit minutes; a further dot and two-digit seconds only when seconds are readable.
8.38
